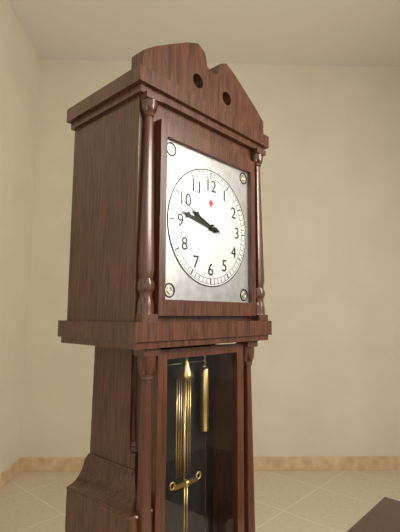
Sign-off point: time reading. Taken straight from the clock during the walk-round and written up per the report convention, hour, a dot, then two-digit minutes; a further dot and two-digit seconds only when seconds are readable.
9.47
